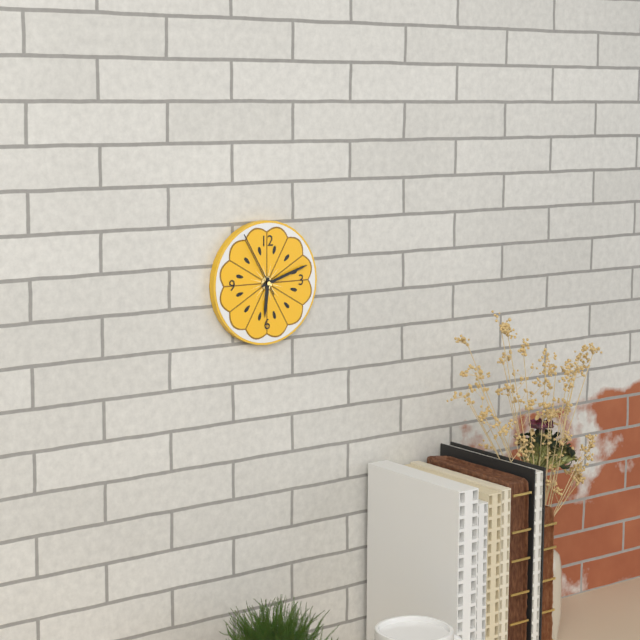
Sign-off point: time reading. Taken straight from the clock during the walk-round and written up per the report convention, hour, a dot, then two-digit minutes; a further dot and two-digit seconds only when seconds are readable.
6.12.55
